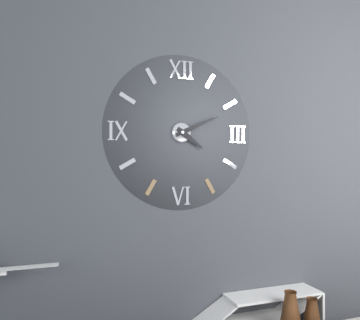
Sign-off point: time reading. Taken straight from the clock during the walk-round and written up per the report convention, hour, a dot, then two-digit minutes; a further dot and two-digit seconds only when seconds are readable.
4.11
